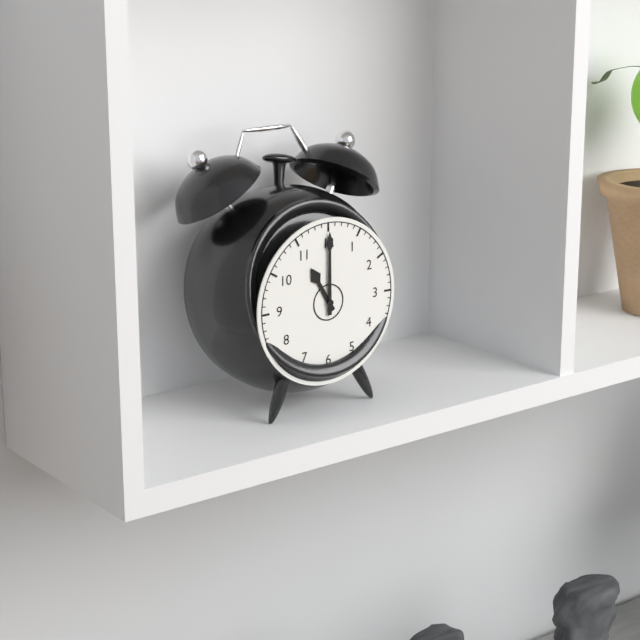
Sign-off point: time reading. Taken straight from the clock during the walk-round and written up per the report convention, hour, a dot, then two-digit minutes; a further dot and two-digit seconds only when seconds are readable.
11.00
